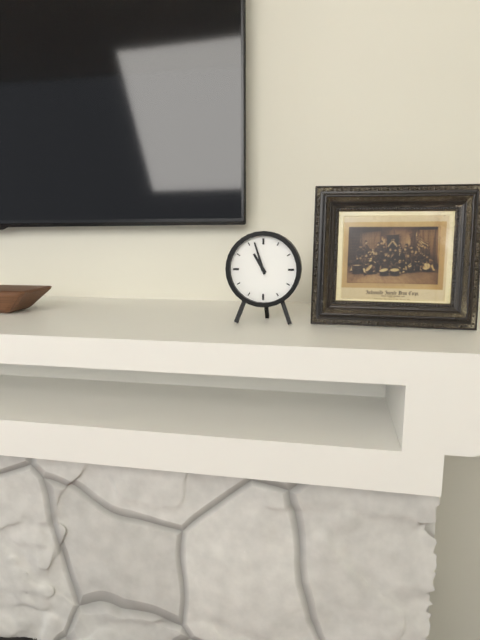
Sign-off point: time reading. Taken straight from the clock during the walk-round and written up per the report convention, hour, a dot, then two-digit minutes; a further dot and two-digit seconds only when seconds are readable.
10.57
